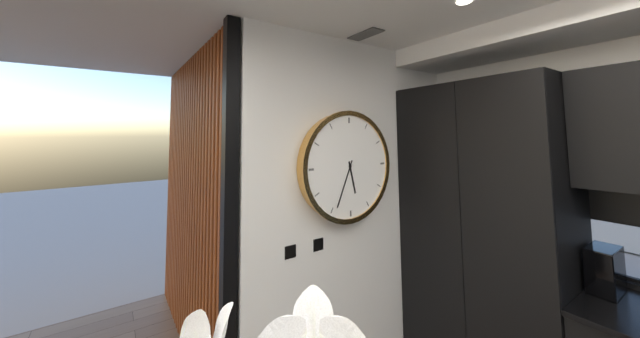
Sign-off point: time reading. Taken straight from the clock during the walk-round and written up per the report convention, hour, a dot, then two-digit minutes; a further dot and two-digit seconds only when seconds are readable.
5.34
